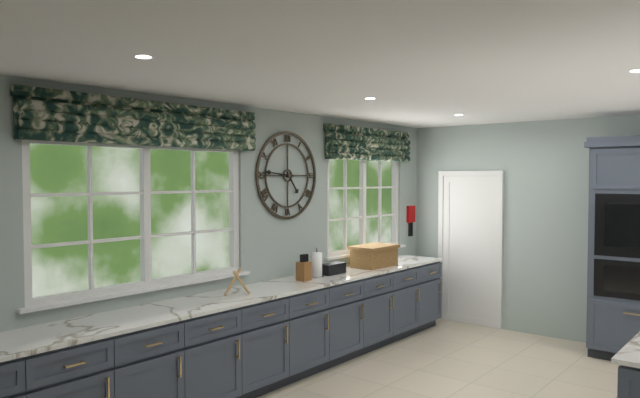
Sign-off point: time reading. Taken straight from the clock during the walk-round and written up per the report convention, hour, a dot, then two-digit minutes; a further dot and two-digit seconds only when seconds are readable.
4.46
